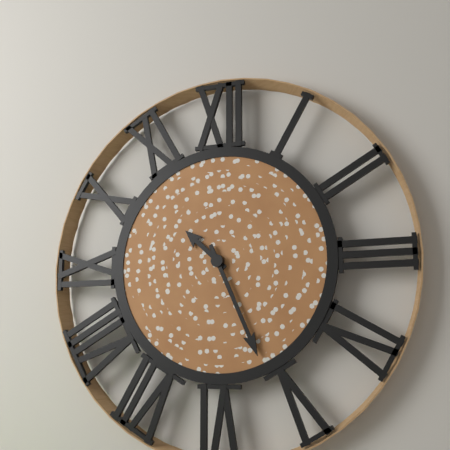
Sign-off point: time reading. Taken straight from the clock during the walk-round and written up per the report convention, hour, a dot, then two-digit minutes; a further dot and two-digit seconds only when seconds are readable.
10.26
